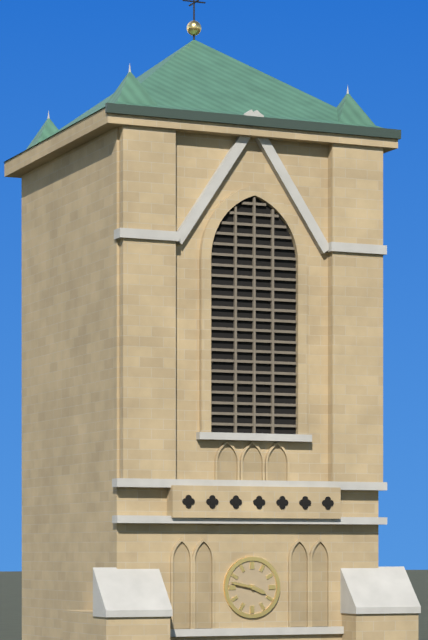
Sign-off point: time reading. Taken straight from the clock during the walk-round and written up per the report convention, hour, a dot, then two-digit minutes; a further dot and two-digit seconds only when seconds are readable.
3.47
